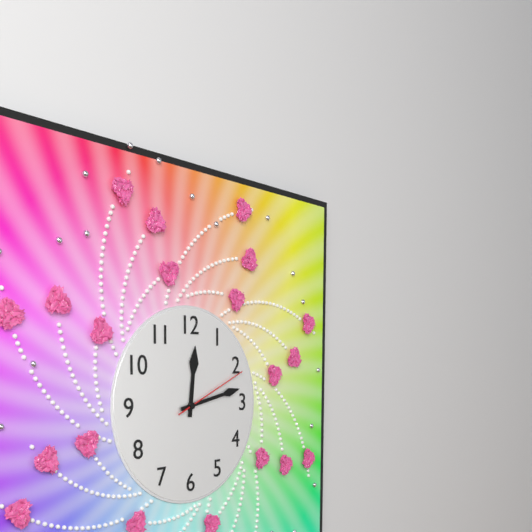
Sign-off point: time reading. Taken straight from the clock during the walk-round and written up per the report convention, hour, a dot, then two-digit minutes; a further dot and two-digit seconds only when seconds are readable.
12.13.11
